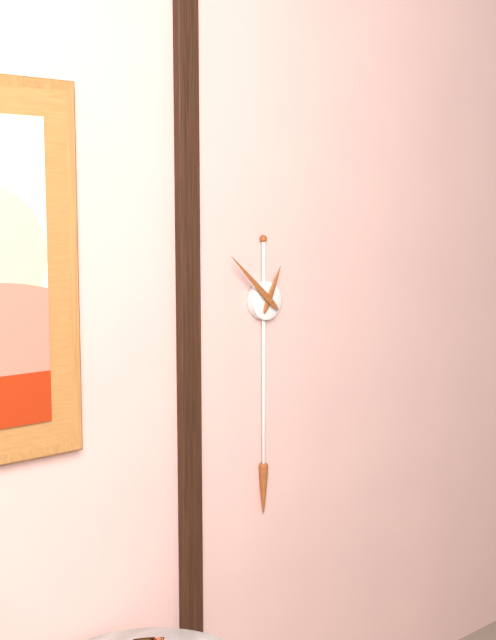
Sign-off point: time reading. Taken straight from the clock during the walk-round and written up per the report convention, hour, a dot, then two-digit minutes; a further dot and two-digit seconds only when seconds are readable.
12.52
